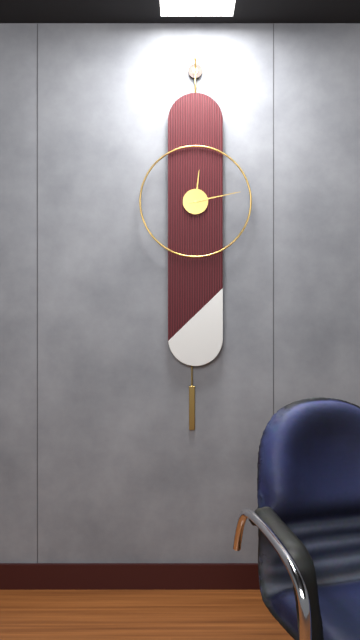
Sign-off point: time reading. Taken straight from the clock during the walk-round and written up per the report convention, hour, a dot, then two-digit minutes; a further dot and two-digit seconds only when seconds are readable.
12.13
